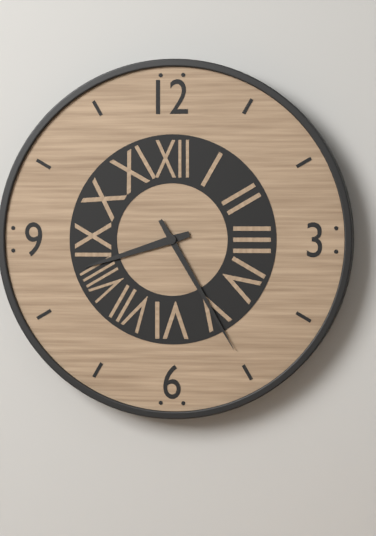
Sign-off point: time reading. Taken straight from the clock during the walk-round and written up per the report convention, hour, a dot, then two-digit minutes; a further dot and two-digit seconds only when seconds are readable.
8.25
